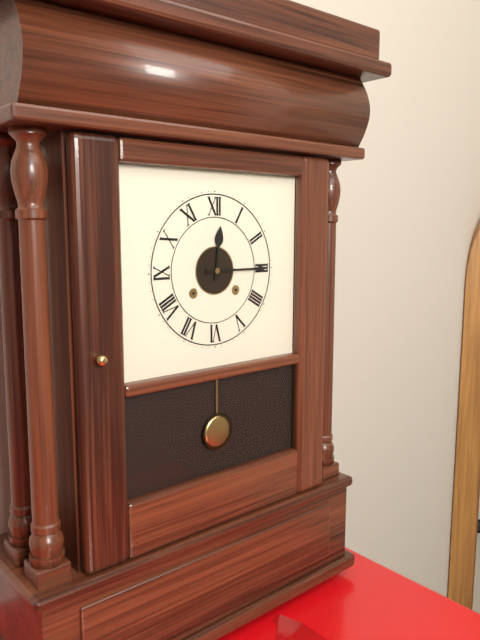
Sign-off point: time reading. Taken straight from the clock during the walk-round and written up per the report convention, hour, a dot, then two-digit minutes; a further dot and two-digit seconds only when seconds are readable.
12.15
